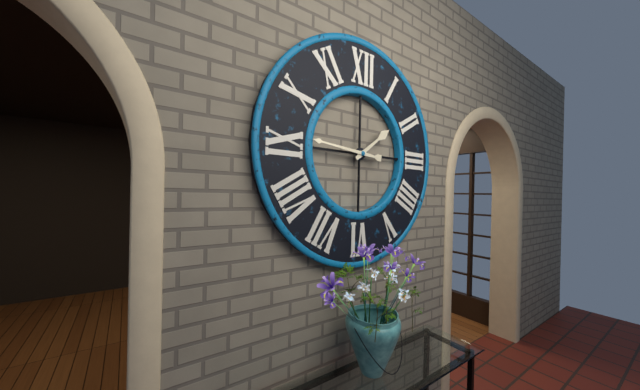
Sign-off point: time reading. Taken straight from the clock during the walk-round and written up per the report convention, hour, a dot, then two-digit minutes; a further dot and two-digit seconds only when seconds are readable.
1.46
